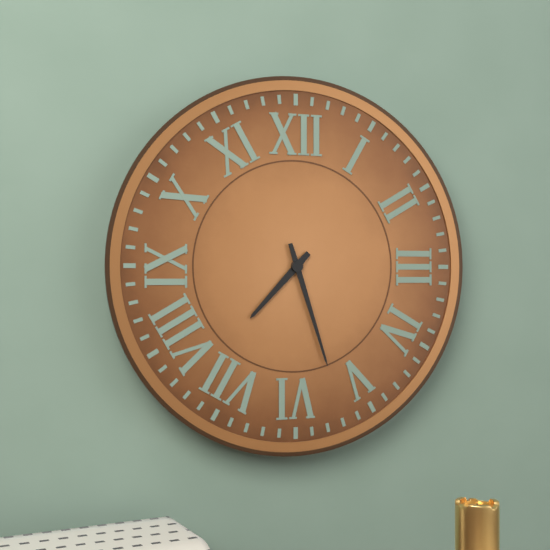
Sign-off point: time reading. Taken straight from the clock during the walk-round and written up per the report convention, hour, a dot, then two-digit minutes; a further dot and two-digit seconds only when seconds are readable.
7.27
